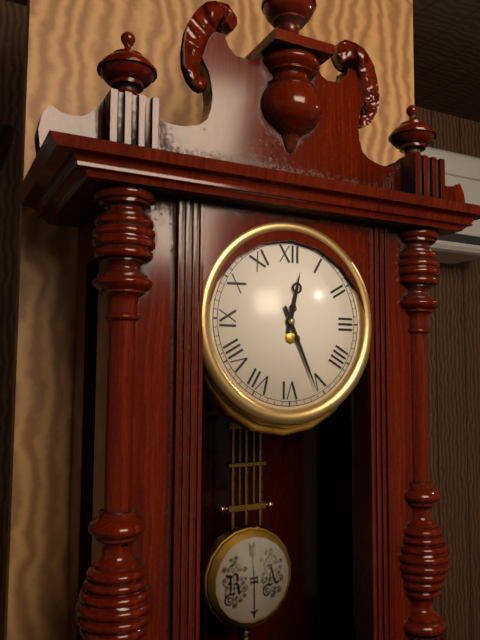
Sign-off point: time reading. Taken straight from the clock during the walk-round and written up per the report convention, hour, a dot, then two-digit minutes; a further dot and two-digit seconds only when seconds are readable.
12.26
